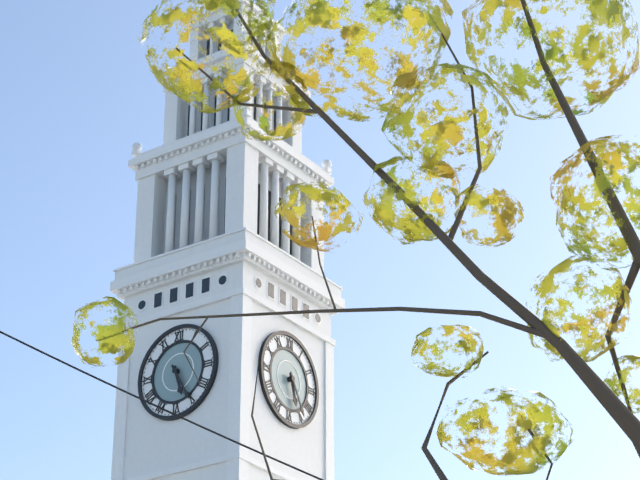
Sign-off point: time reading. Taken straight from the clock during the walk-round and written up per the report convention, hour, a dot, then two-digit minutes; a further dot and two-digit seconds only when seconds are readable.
5.25
